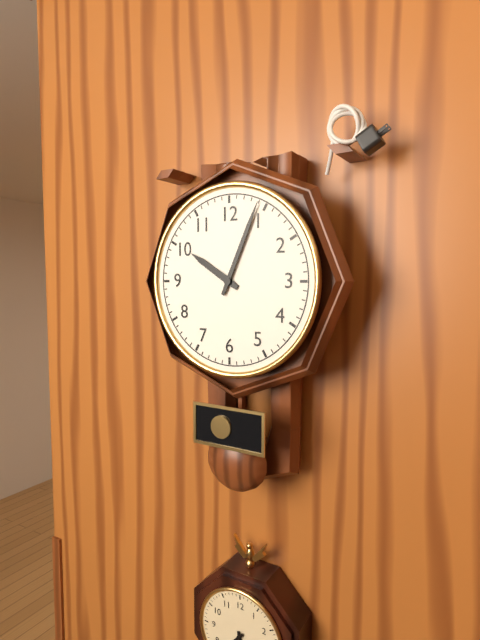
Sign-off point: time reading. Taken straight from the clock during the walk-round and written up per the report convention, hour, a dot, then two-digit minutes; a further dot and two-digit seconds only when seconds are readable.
10.04
